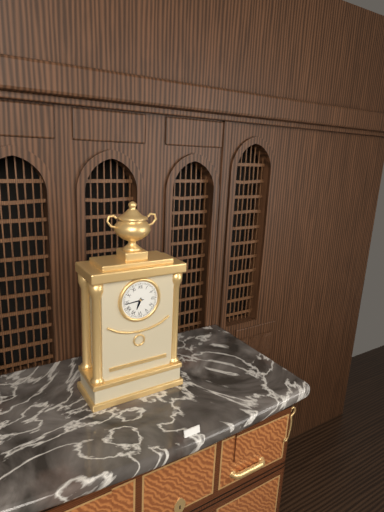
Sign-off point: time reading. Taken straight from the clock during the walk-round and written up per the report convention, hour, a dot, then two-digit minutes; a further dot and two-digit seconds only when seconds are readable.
6.44
